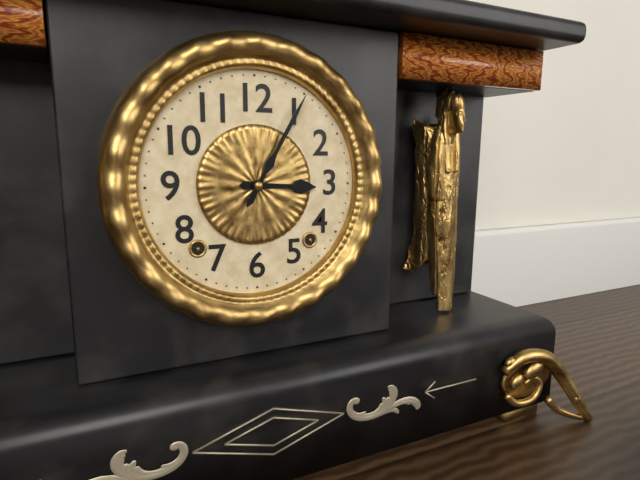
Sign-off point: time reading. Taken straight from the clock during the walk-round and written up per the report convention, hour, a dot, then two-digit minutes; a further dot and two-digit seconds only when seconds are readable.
3.05
